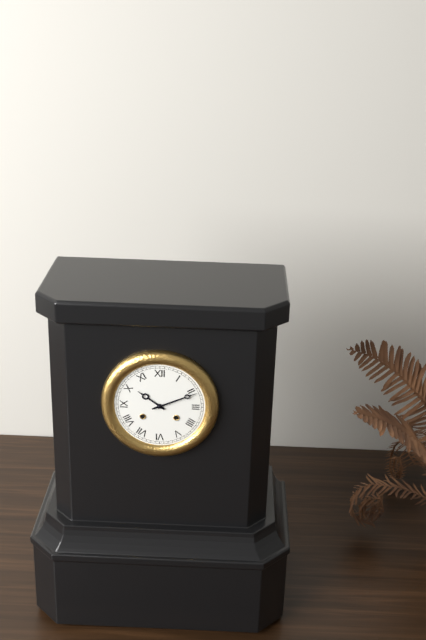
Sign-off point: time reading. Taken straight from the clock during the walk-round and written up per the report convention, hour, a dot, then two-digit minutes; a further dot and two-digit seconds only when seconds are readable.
10.11
